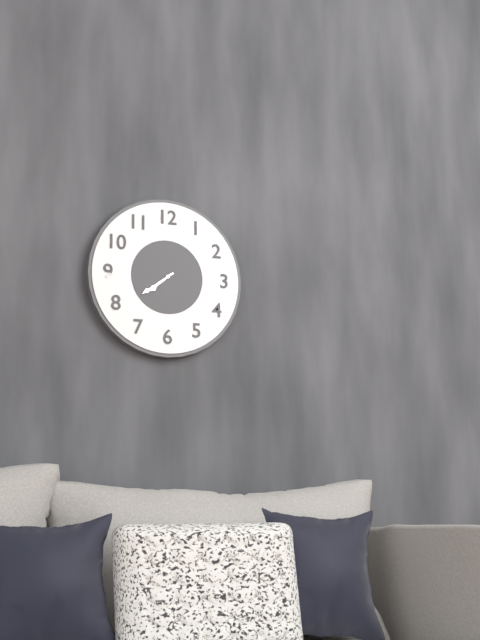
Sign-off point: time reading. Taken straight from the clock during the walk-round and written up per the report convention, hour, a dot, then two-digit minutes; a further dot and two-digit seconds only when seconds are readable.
7.39
